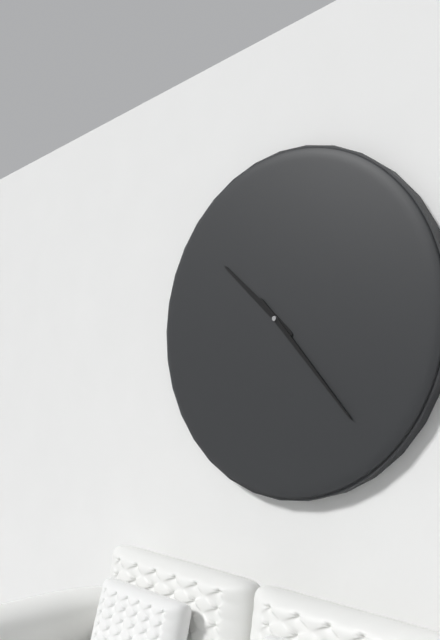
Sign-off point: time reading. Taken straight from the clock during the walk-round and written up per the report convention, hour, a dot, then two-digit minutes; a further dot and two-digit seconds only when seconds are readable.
10.23
